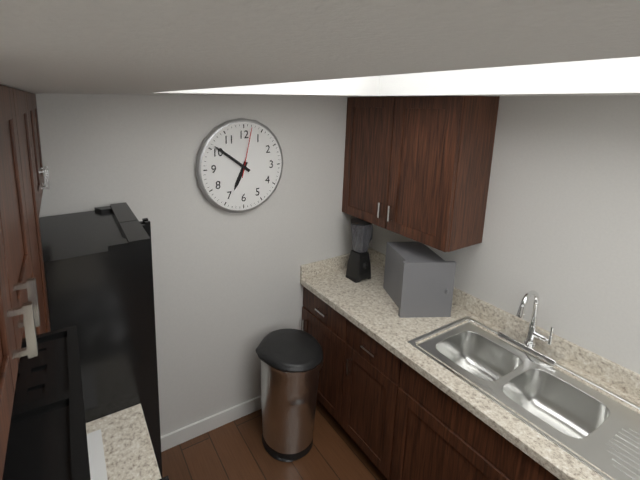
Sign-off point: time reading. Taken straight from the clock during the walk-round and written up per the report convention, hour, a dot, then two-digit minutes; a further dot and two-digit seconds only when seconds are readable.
6.51.02
